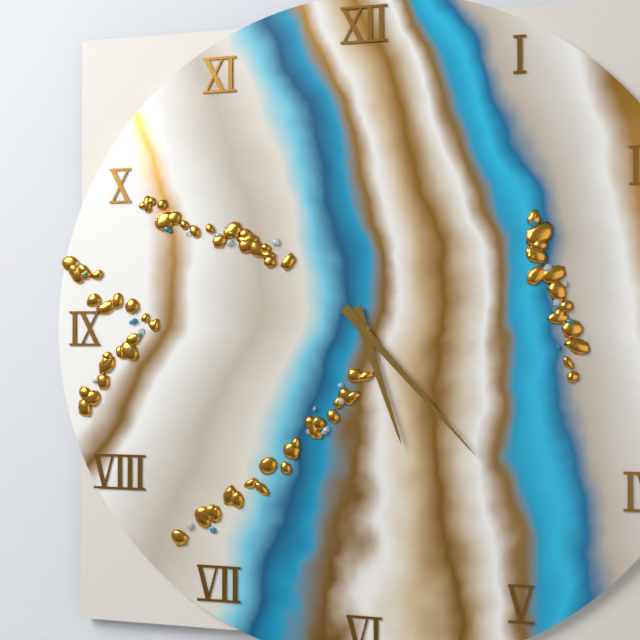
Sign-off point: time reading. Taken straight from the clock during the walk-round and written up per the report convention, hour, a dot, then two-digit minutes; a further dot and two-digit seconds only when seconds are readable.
5.23
